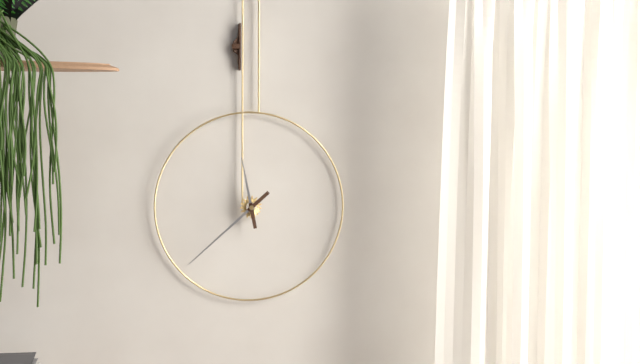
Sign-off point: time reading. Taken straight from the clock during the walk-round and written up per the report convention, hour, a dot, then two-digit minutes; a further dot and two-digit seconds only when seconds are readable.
11.38
